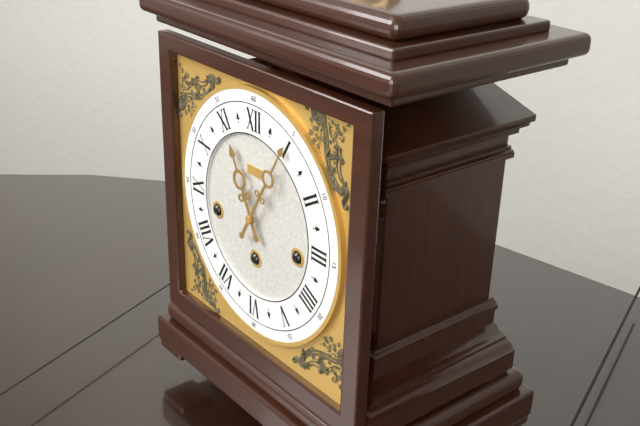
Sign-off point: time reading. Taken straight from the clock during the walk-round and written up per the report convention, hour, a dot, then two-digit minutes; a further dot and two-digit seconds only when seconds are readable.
11.05
